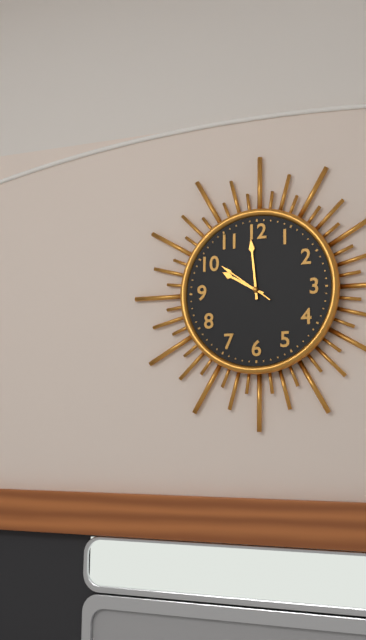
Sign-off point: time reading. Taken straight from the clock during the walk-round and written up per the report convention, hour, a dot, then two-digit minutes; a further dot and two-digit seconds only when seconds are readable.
9.59.51
